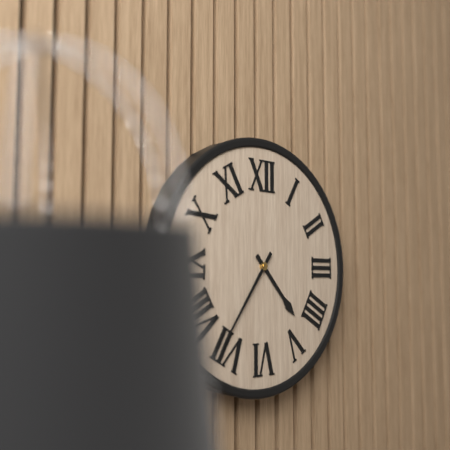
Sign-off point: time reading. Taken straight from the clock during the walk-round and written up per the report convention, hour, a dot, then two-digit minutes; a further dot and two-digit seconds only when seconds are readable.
4.36
